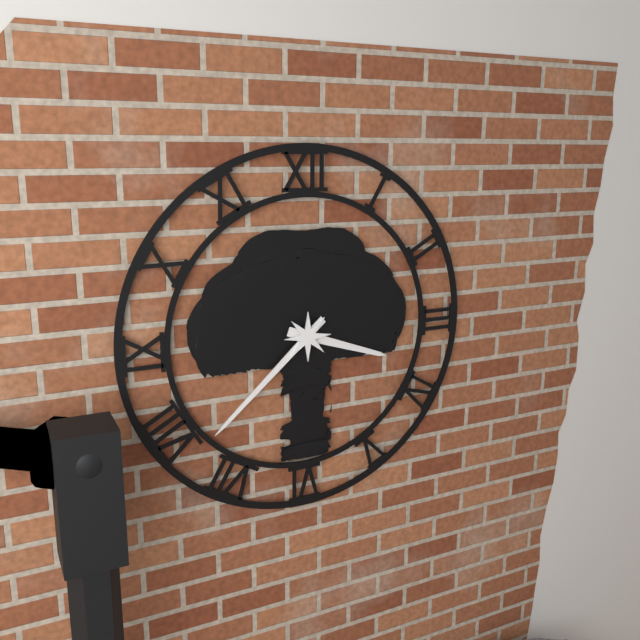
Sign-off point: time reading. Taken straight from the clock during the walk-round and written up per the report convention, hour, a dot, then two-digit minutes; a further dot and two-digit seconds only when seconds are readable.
3.38
